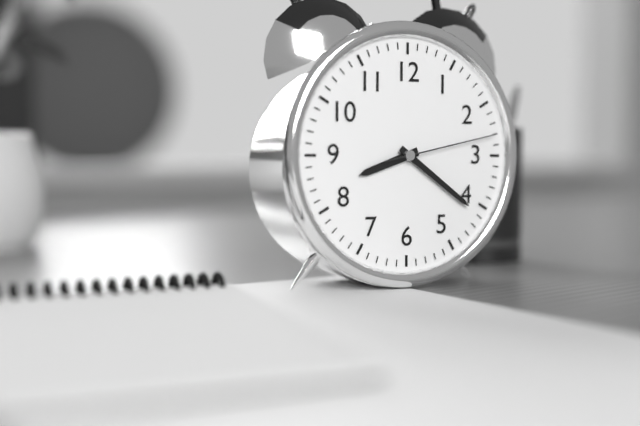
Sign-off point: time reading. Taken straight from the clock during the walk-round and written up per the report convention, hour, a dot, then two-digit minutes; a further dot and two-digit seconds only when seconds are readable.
8.21.13
